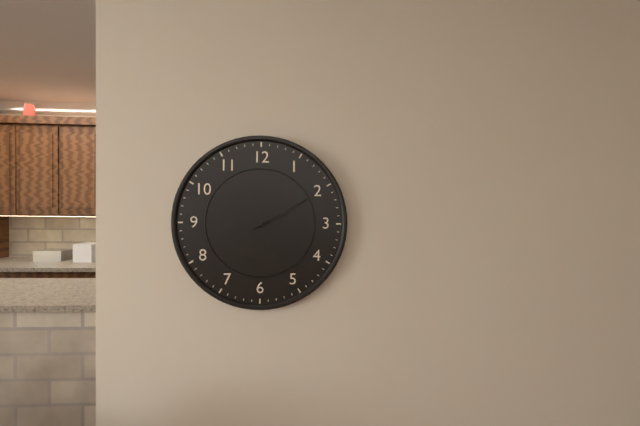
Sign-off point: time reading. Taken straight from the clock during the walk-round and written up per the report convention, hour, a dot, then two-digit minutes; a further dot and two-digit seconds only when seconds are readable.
2.10
